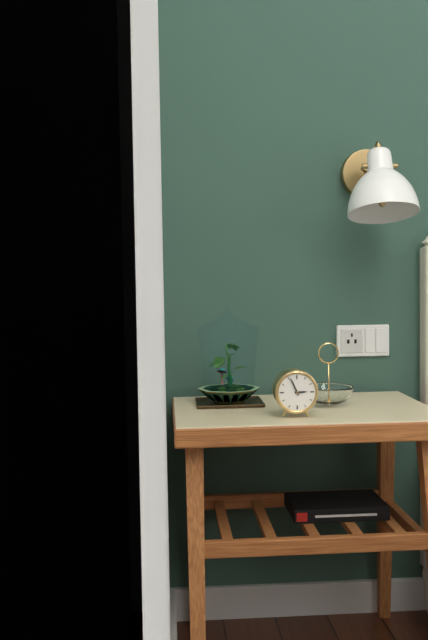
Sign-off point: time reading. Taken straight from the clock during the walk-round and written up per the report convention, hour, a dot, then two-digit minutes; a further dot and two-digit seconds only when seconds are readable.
2.56
